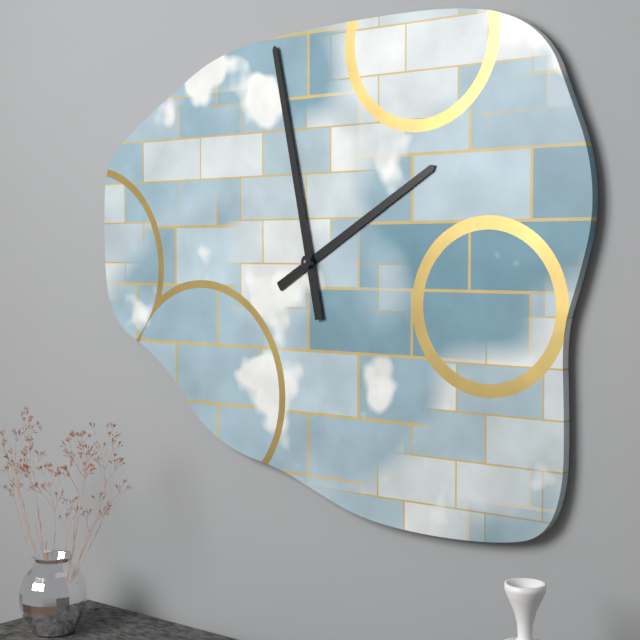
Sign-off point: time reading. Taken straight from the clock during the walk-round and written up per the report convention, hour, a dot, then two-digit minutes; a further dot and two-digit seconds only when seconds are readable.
1.58
